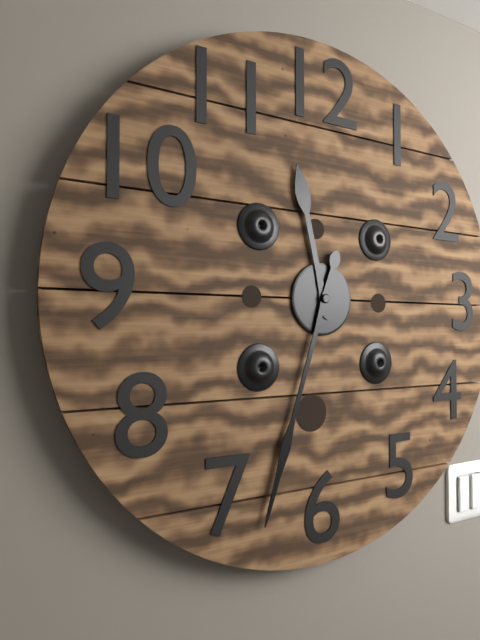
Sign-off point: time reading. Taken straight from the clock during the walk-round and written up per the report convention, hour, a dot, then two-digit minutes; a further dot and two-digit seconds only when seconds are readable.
11.33
